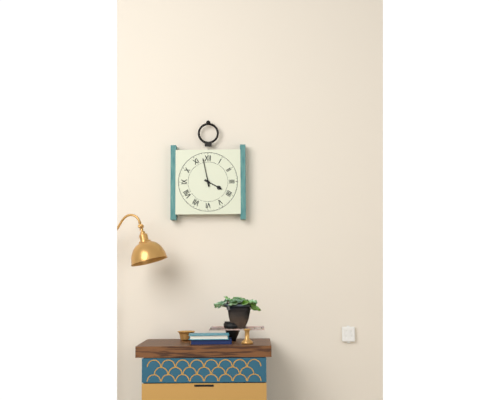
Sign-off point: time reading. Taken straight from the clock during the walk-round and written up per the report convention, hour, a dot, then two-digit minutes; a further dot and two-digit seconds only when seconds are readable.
3.58
